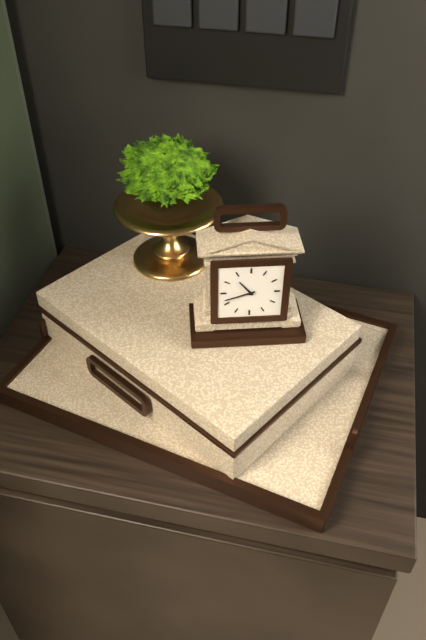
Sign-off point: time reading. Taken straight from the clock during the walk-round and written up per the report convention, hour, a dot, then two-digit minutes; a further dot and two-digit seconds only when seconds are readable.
10.42
